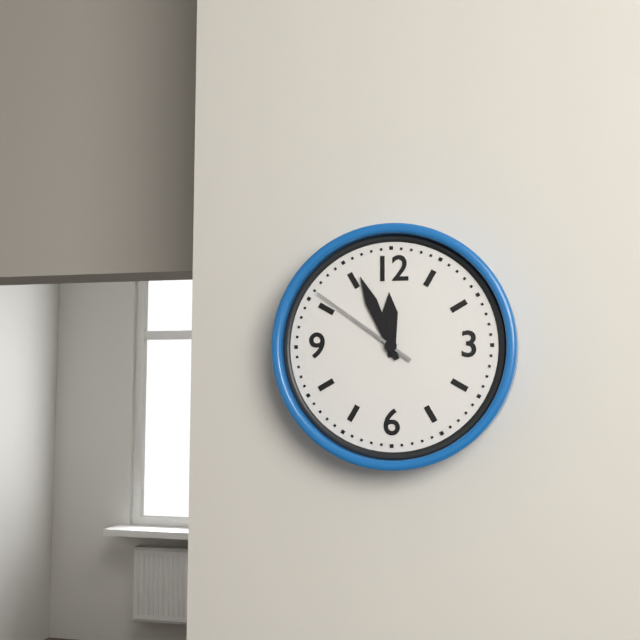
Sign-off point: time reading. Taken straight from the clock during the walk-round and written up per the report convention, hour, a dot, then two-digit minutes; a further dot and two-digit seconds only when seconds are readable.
11.56.51
